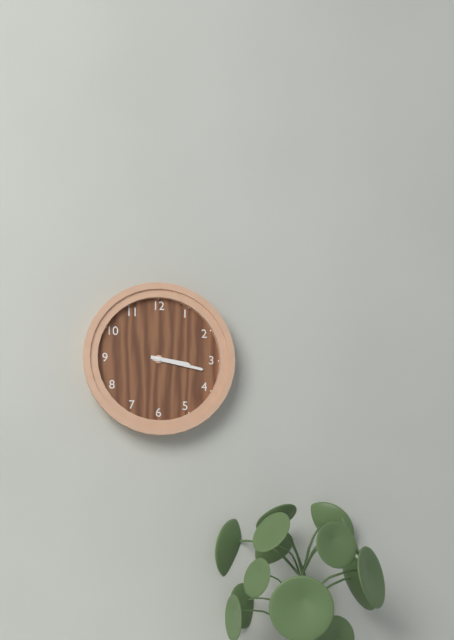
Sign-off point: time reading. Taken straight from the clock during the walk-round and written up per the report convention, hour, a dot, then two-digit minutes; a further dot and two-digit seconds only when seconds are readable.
3.17
